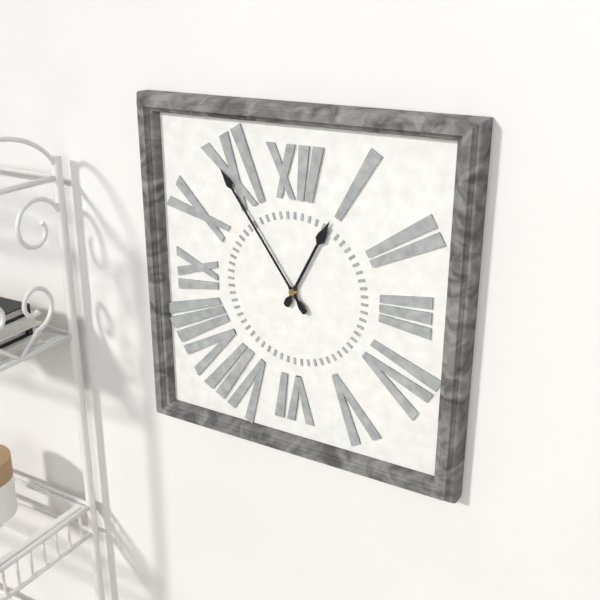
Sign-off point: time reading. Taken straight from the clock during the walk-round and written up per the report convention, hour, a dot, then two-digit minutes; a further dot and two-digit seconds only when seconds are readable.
12.54
